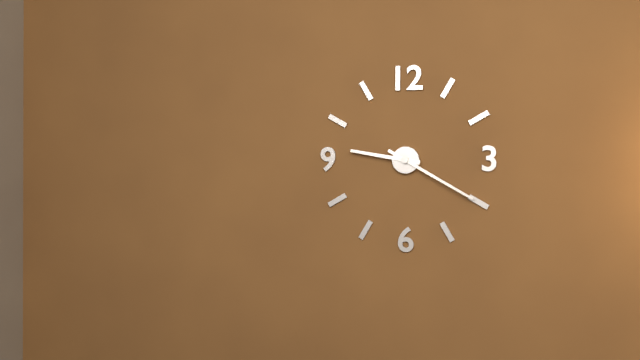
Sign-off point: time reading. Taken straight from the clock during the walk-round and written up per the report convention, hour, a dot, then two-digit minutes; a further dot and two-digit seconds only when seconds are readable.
9.20
